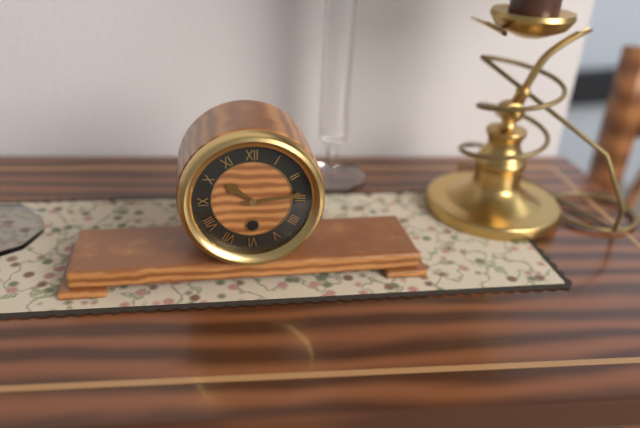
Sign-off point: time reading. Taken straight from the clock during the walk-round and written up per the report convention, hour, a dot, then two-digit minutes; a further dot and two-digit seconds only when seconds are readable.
10.14
